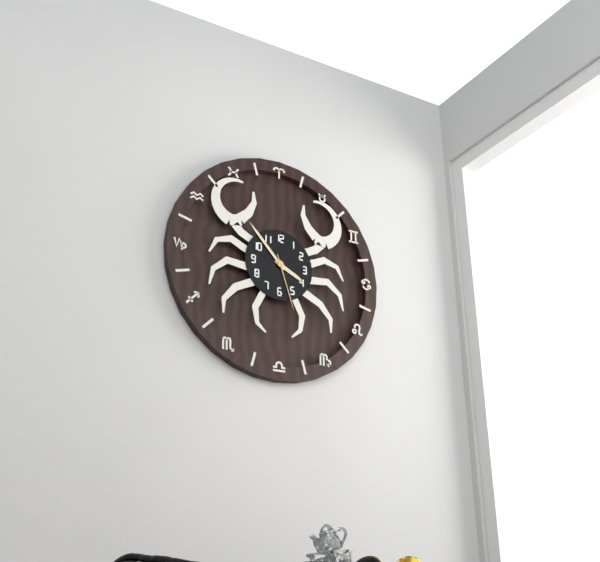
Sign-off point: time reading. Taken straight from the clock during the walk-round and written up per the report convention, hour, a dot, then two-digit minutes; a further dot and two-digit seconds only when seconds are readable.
3.53.27
